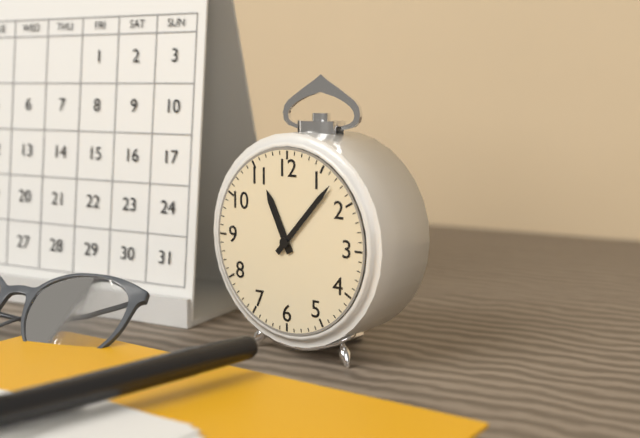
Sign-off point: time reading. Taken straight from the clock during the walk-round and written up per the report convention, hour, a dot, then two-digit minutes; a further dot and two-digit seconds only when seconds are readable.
11.07
